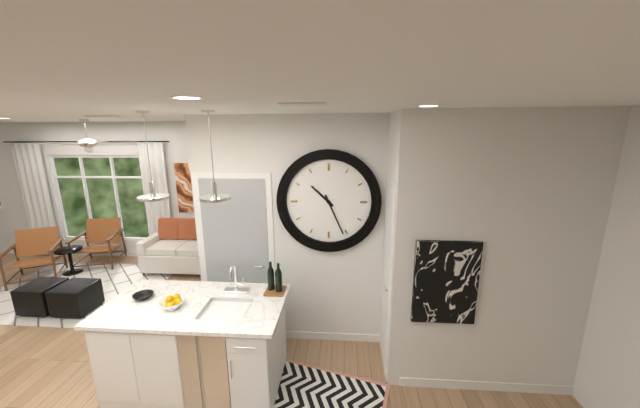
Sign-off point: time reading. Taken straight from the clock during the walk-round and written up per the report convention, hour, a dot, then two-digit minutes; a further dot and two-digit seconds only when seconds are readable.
10.26
